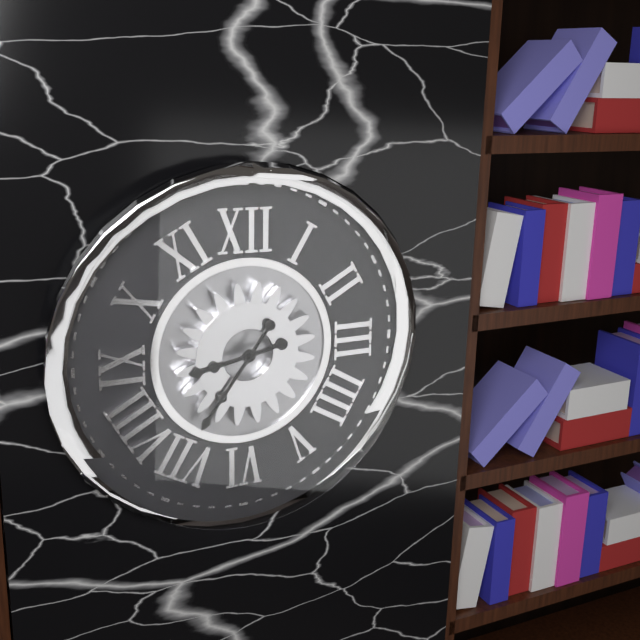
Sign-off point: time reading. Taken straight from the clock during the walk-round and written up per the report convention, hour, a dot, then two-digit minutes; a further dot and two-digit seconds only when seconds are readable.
8.36
